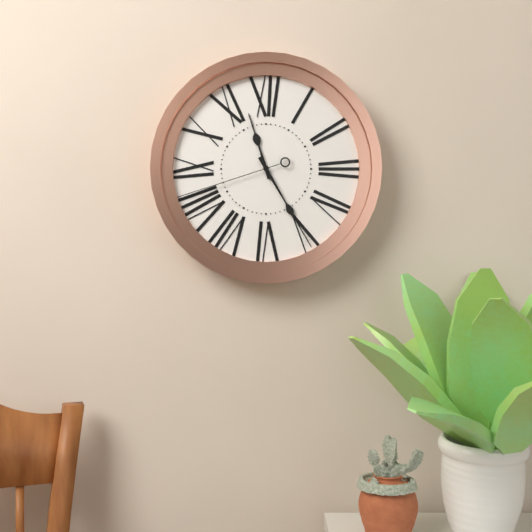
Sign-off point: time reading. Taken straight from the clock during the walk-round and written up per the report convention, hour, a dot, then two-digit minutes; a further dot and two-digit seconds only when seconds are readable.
11.25.42
